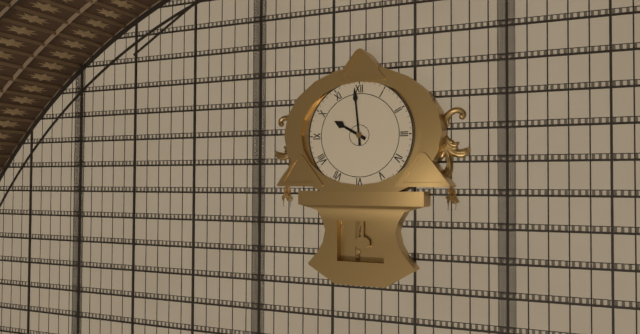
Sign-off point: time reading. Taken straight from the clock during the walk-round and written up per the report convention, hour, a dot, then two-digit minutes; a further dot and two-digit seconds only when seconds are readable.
9.59
